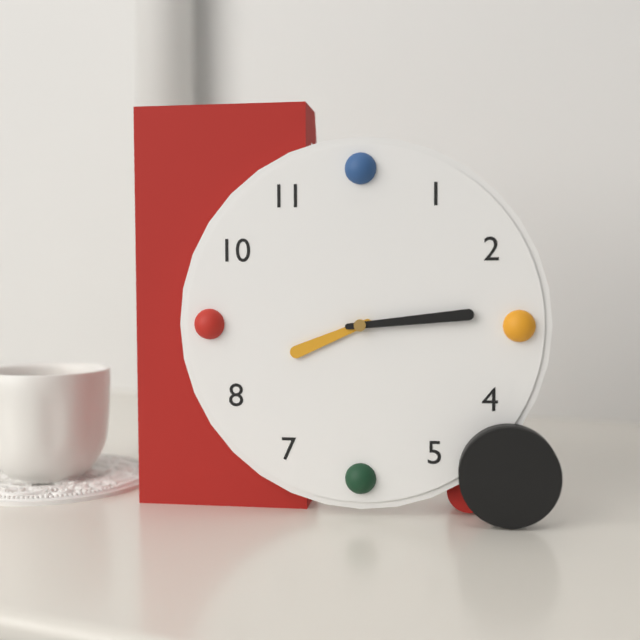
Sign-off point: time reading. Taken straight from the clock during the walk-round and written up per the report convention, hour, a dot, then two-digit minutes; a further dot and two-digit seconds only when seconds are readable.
8.14
